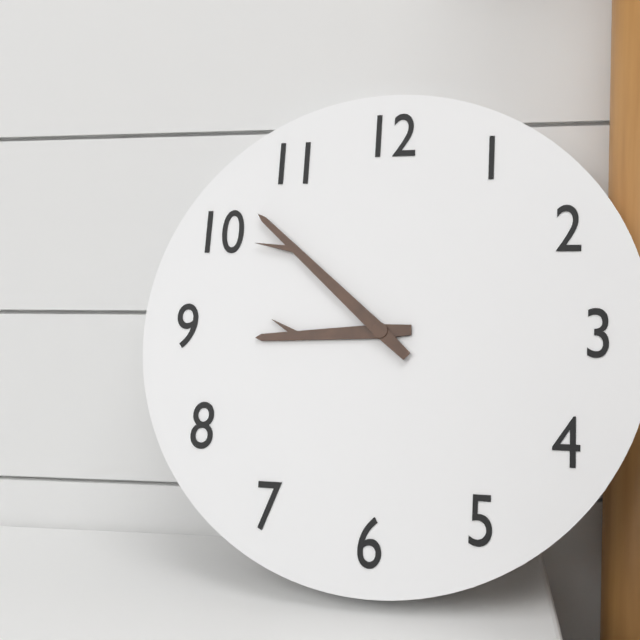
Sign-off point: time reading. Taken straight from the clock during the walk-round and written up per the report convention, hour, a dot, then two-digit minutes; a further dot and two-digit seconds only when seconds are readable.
8.52
